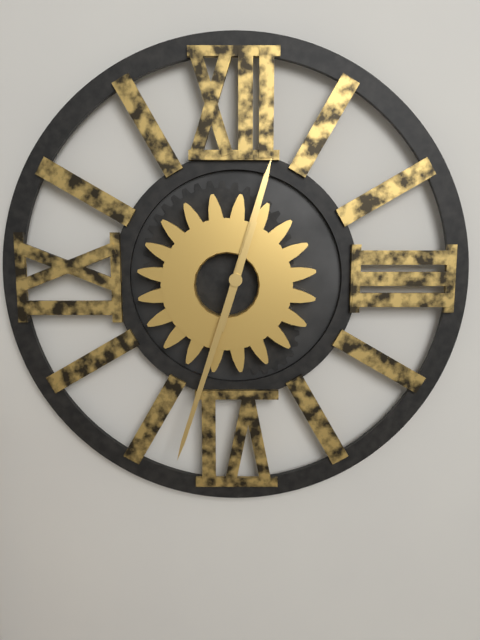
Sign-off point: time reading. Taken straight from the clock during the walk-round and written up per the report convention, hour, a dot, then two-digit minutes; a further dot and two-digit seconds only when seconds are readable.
12.33
